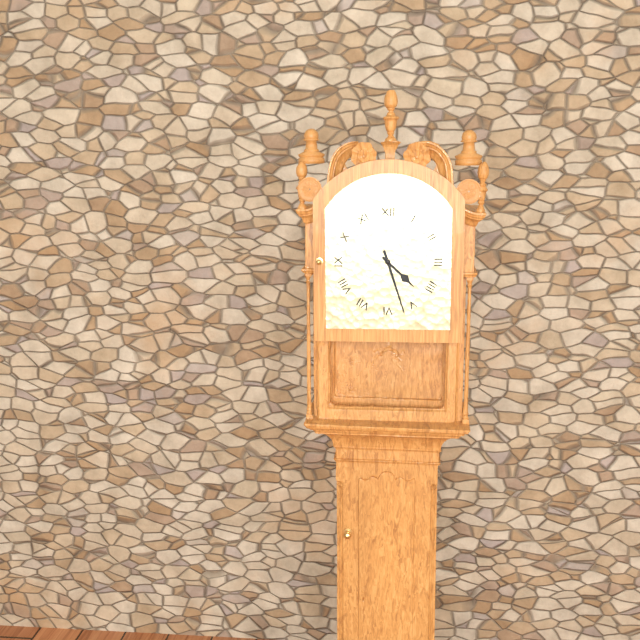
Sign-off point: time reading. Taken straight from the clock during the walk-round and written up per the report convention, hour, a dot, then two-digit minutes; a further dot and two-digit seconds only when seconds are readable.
4.27
